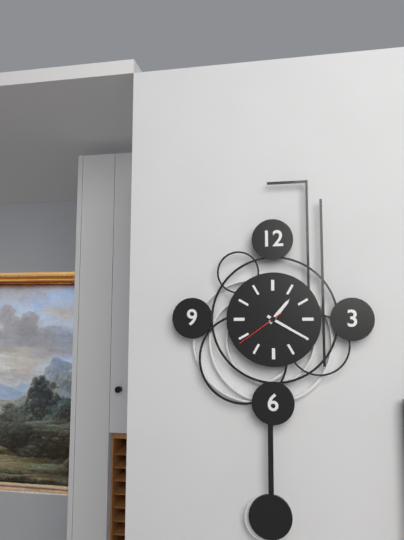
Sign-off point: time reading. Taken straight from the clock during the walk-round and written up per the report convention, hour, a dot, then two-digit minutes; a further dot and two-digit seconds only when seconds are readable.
1.20.39
